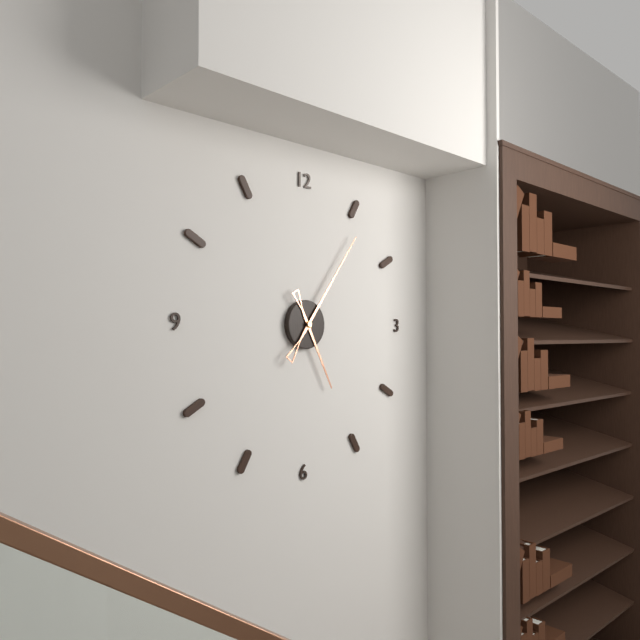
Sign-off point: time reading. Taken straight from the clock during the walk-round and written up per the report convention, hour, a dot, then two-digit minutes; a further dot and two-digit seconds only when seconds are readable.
5.06
